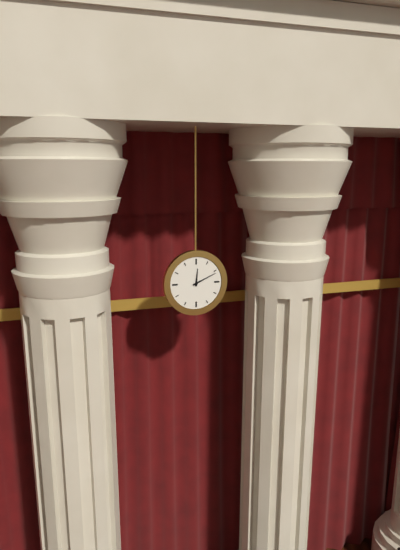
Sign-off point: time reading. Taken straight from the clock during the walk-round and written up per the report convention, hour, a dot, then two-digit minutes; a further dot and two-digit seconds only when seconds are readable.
12.11
